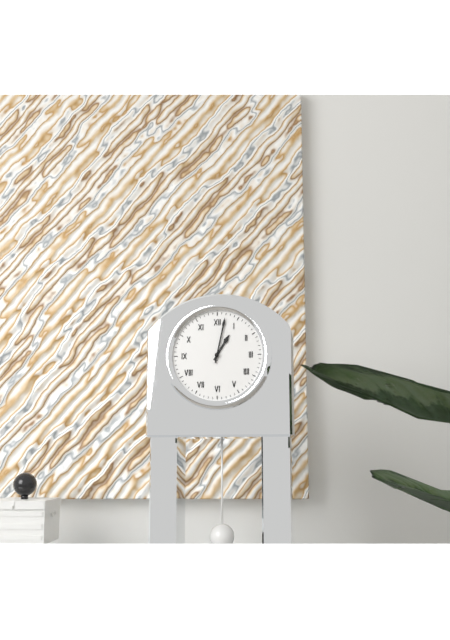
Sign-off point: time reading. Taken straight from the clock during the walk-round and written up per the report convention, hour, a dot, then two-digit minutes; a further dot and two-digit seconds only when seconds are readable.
1.02
